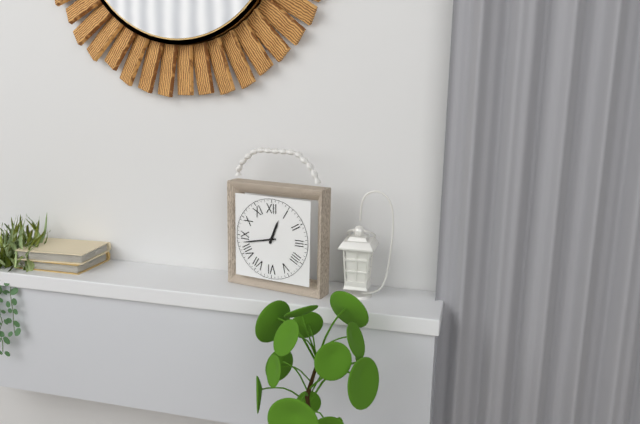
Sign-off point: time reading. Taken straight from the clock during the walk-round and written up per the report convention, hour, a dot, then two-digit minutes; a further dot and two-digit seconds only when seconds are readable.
12.43
